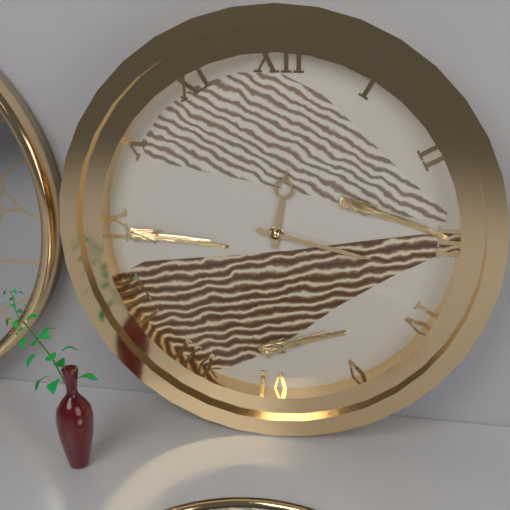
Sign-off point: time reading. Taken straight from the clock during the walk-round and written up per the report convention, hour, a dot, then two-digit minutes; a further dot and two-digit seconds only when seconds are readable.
12.17
